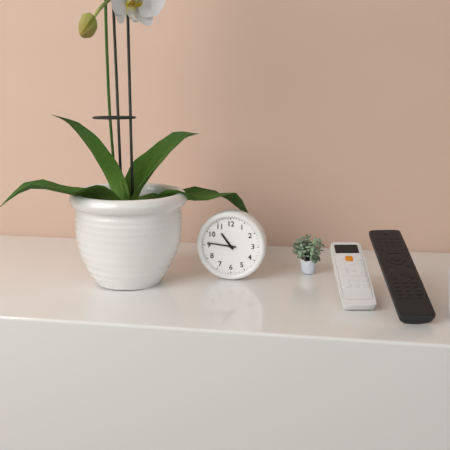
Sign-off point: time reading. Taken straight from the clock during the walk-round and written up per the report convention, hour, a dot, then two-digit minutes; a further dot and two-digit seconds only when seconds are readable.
10.46
